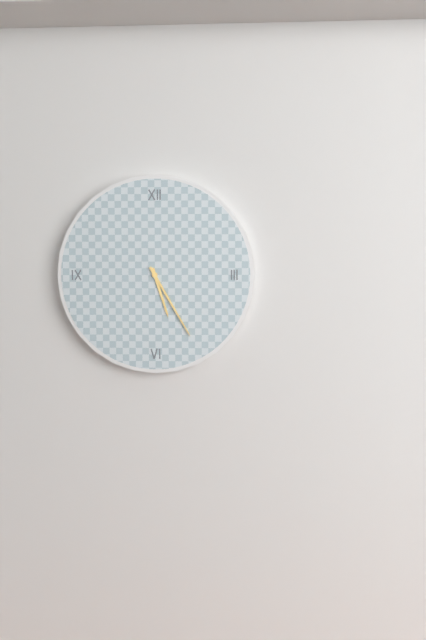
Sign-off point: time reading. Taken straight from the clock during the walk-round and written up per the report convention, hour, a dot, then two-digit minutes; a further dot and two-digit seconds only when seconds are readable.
5.25
